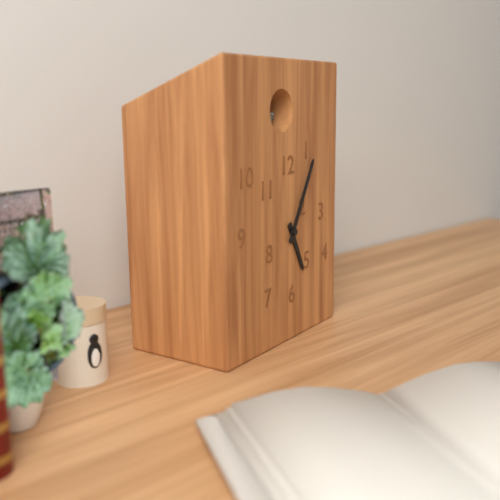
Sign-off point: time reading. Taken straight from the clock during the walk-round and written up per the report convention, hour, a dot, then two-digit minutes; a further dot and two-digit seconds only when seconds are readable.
5.05
